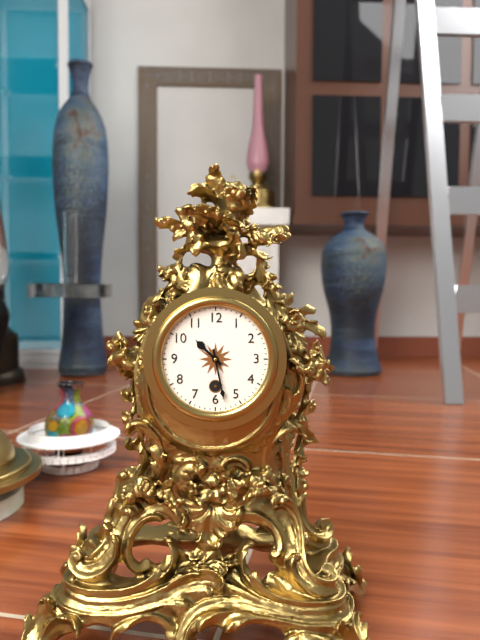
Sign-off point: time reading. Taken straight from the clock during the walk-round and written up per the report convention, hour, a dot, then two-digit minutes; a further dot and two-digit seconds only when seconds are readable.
10.28
